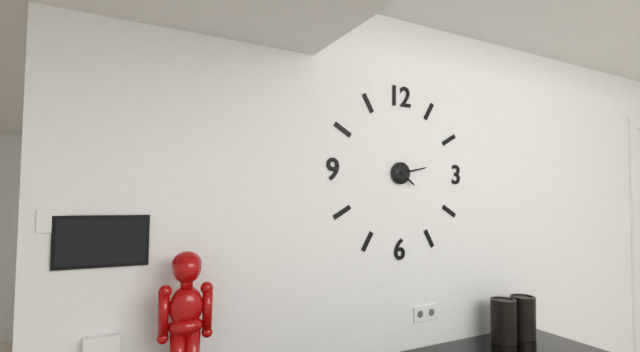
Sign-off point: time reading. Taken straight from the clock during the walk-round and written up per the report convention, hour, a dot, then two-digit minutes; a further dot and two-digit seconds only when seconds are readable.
4.13
